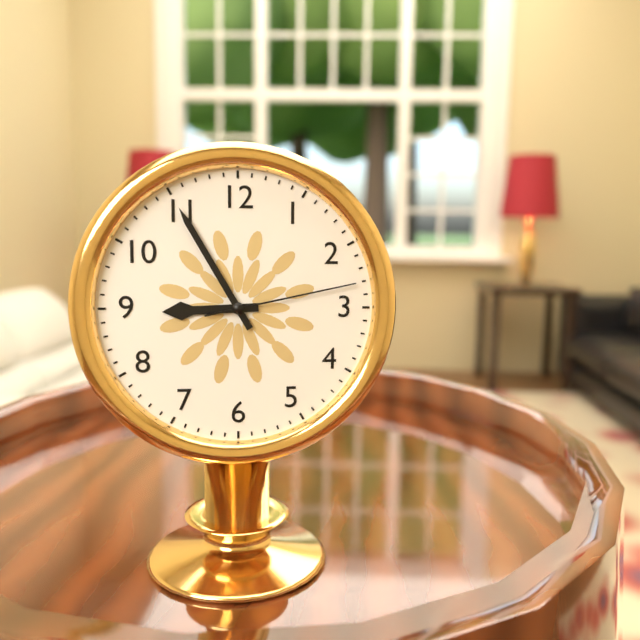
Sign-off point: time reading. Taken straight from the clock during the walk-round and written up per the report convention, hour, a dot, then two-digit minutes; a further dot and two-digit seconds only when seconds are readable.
8.55.13
